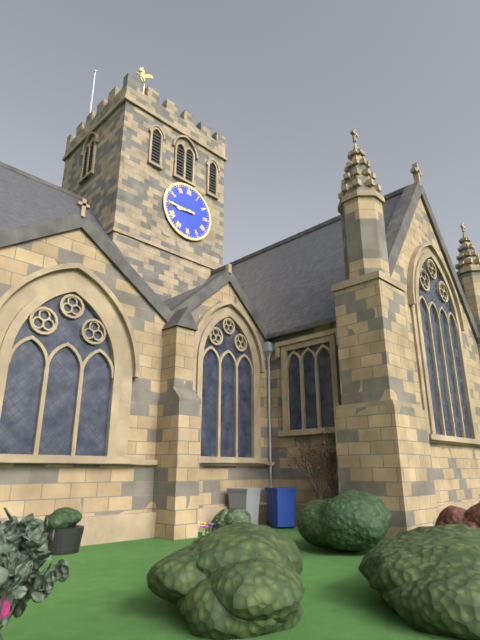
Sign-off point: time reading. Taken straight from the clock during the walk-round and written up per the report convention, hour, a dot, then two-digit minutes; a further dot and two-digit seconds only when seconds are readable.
8.45
